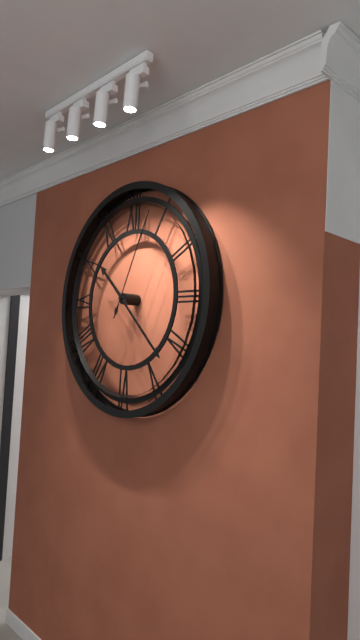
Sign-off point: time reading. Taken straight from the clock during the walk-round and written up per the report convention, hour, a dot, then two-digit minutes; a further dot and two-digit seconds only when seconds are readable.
10.22.04
